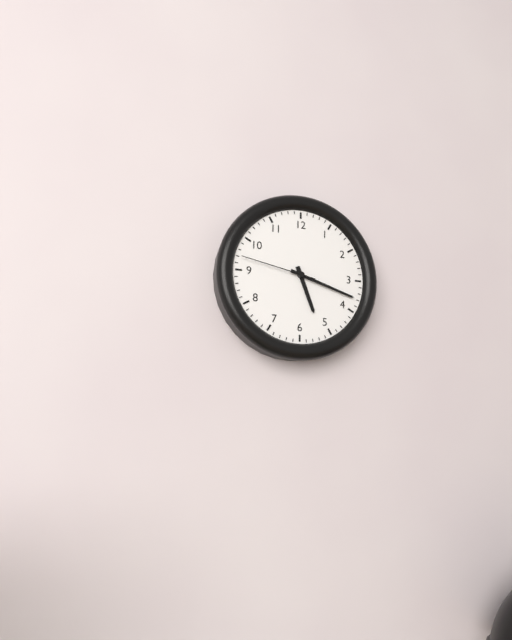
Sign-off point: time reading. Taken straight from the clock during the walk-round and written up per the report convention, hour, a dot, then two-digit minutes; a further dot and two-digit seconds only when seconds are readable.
5.18.47
